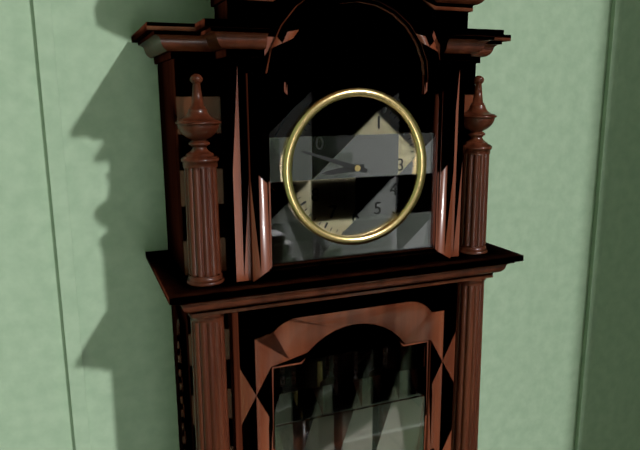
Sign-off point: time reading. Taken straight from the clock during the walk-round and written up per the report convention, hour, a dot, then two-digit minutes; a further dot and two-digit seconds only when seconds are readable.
8.48
